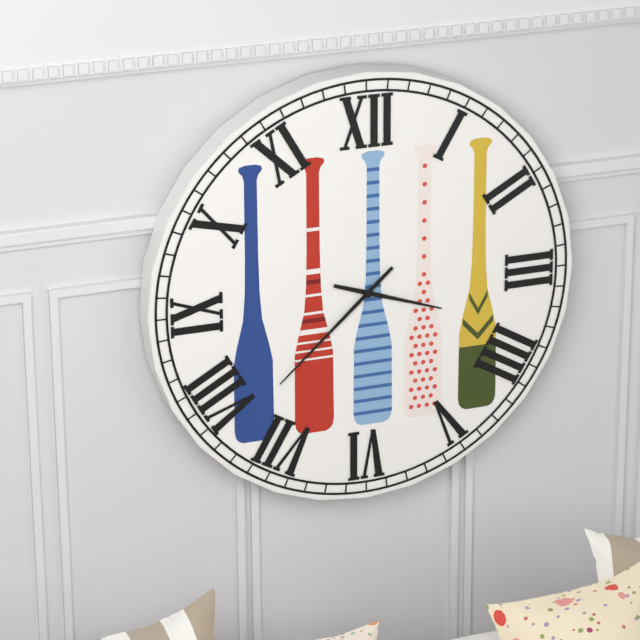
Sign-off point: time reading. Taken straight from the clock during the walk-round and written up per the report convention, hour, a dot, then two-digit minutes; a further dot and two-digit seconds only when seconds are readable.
3.38
